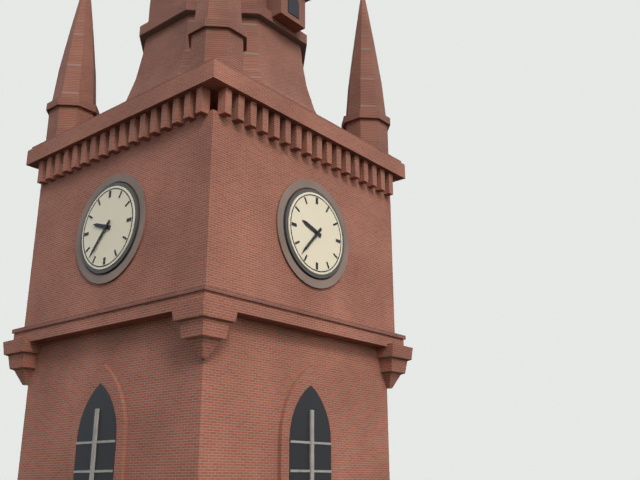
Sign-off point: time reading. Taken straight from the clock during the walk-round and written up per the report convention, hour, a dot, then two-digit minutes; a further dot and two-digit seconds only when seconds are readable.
9.37
